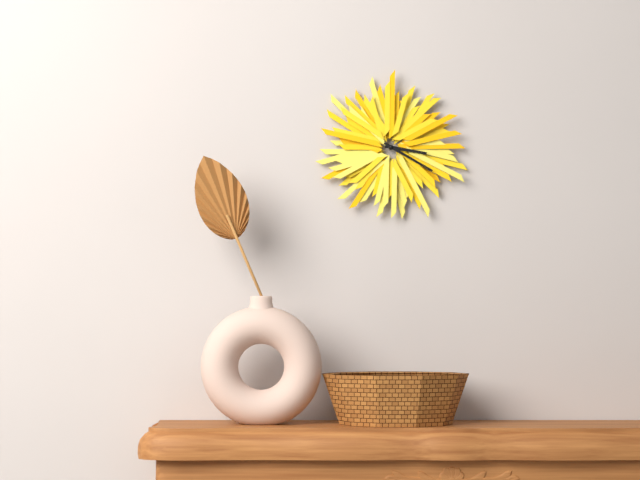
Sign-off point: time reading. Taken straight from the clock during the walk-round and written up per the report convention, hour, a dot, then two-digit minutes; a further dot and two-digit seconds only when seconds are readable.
3.20
